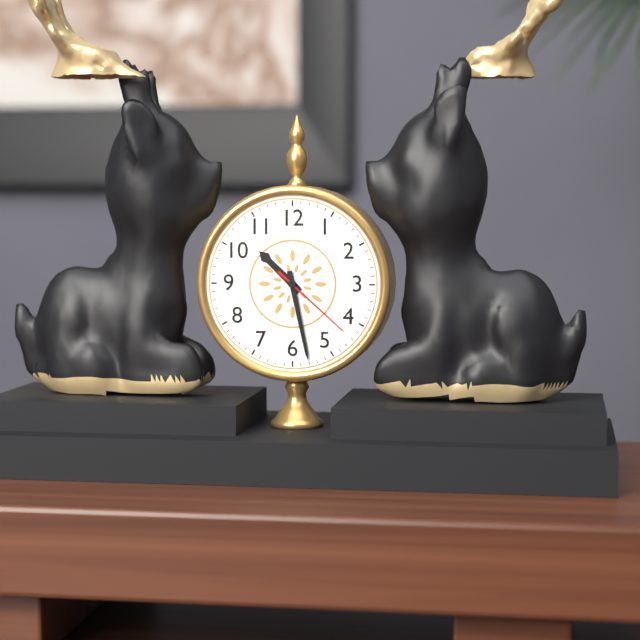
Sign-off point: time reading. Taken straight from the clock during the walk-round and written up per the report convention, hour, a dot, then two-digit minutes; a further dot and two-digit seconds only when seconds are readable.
10.28.22
